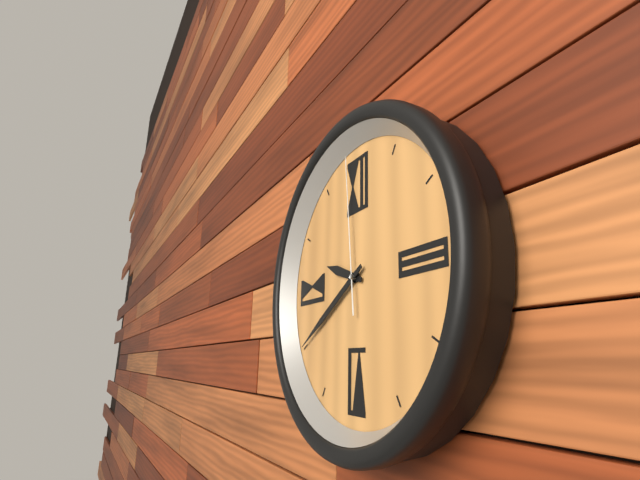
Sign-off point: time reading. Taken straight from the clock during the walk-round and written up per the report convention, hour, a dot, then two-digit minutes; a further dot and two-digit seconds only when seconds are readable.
9.40.59
